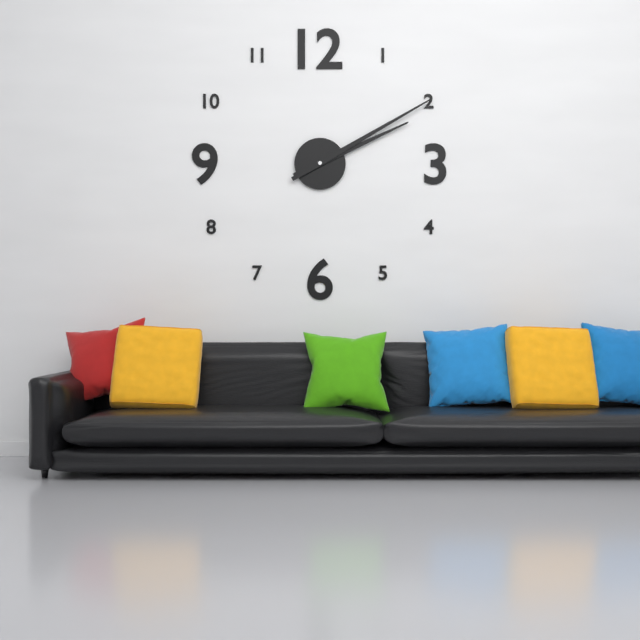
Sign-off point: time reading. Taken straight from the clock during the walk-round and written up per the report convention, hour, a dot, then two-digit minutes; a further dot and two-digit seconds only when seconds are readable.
2.10
